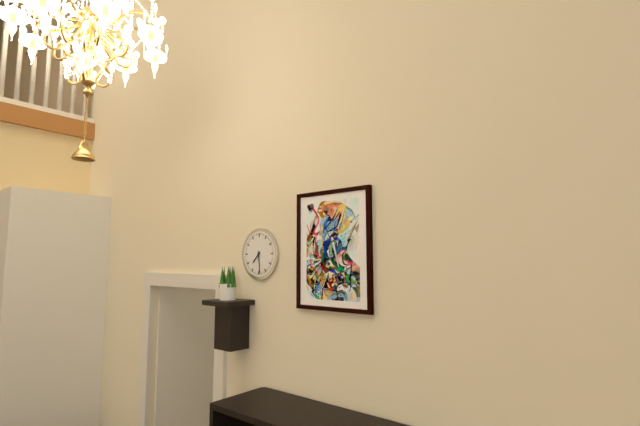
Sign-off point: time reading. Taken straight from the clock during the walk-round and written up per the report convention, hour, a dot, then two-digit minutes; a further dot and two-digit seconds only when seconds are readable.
7.29
